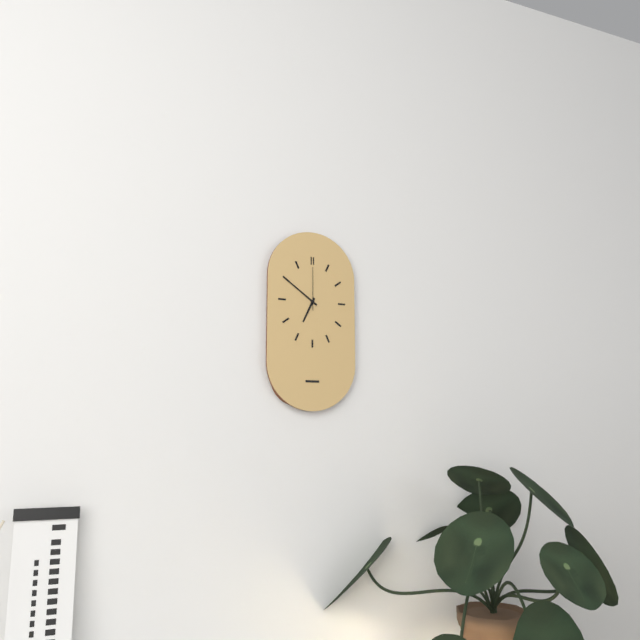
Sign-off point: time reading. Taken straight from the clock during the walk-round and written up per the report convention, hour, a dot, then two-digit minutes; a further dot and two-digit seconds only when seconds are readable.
6.51
